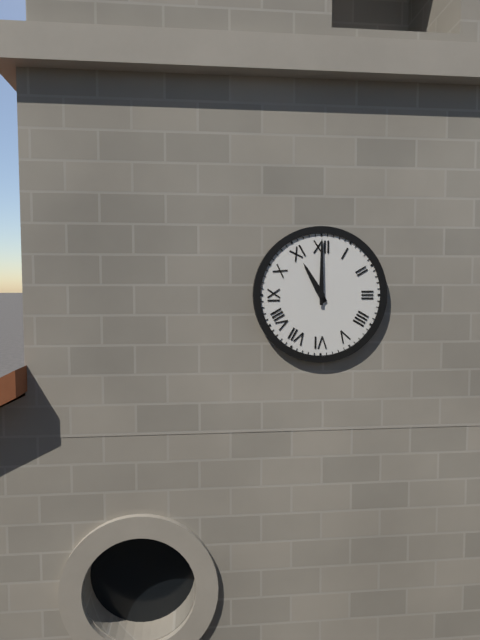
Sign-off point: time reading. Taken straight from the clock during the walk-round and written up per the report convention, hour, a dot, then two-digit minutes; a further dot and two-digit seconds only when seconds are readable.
11.00
